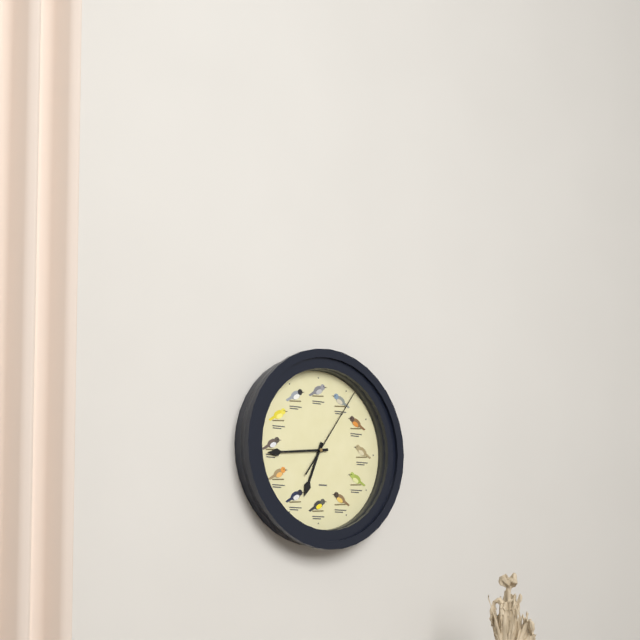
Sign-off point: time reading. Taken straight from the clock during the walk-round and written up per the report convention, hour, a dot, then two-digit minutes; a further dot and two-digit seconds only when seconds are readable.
6.44.06
